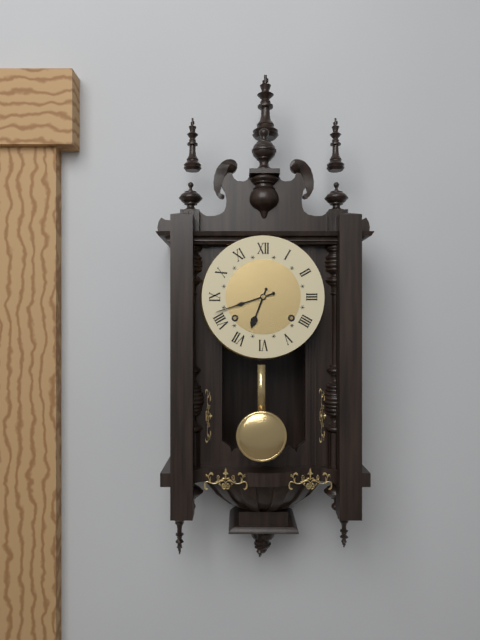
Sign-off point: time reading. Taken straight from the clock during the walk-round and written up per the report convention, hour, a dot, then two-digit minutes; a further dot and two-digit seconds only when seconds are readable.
6.42
